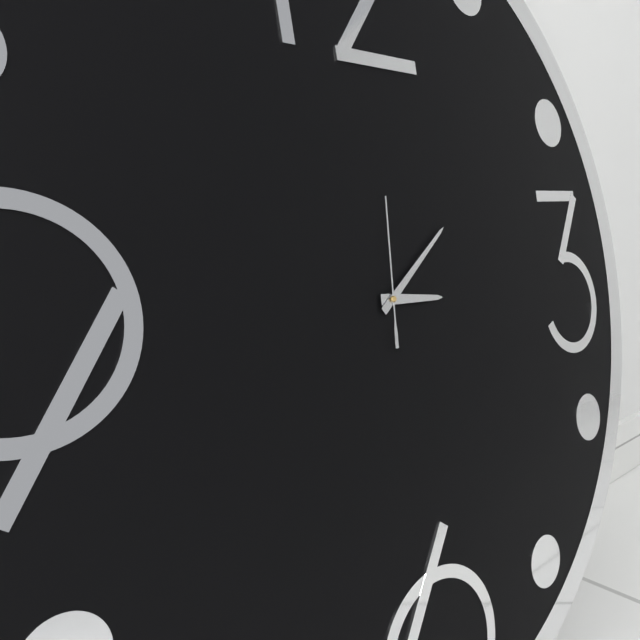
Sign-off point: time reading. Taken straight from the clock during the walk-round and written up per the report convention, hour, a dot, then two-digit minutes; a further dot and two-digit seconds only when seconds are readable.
3.09.01
